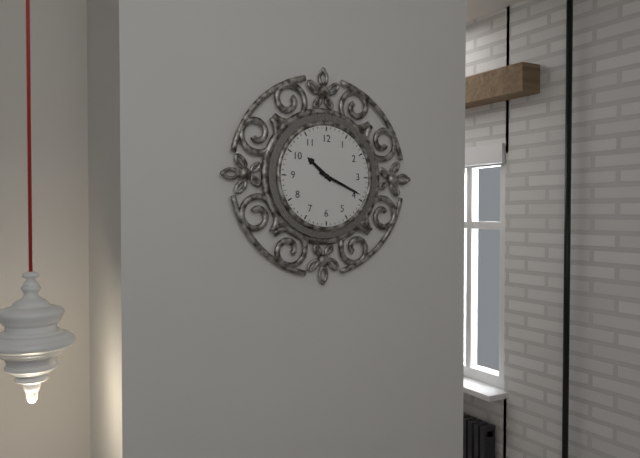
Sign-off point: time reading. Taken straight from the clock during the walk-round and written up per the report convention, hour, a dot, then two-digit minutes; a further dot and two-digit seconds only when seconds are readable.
10.19
